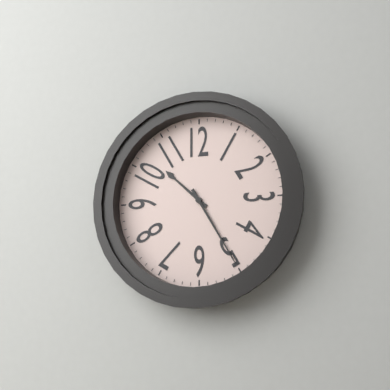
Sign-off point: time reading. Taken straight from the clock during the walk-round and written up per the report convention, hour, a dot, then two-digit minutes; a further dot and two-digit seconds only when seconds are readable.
10.25
